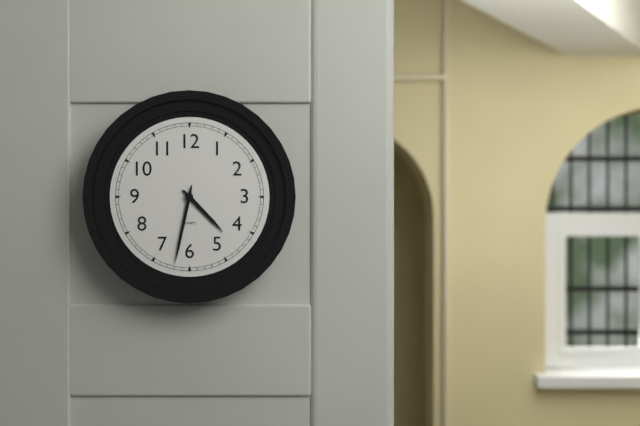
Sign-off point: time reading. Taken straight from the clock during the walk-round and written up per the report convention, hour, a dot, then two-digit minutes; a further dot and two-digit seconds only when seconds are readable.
4.32
